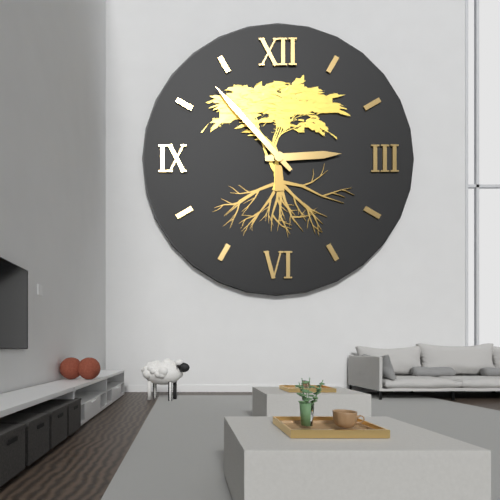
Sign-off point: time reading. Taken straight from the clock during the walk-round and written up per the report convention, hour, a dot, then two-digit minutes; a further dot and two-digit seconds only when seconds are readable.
2.53
